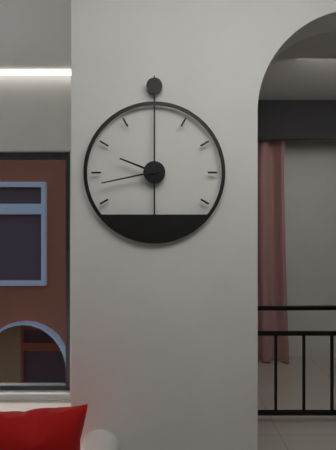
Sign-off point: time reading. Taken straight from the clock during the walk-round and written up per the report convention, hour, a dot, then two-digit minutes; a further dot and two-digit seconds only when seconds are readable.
9.43
